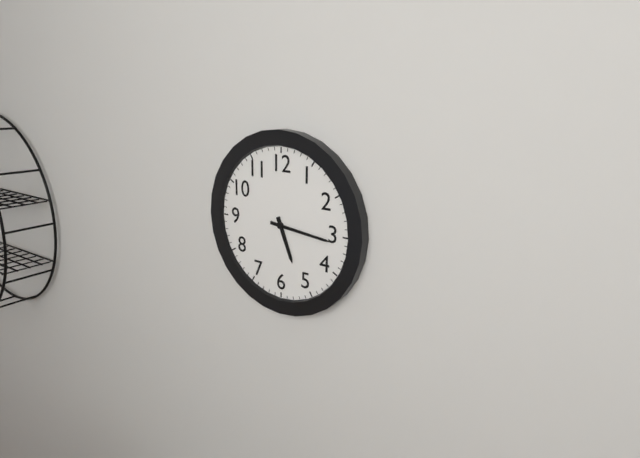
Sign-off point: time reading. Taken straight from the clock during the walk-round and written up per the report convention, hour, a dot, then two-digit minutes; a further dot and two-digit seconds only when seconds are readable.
5.16
